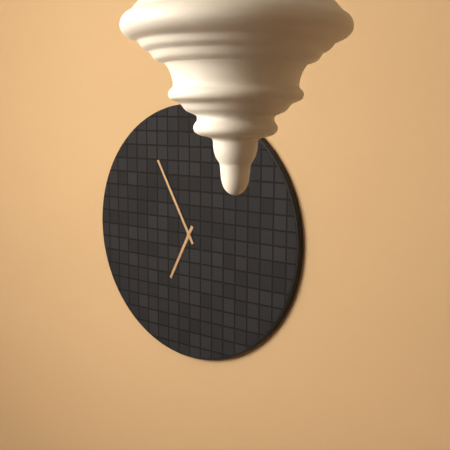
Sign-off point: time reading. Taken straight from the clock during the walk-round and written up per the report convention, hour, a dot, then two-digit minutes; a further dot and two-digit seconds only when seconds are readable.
6.55
